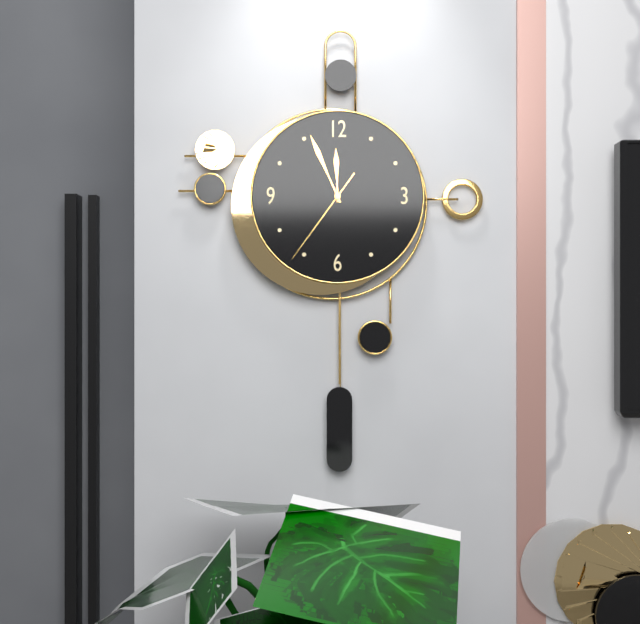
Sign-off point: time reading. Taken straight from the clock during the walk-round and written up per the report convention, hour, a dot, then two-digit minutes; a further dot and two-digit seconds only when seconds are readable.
11.56.36
